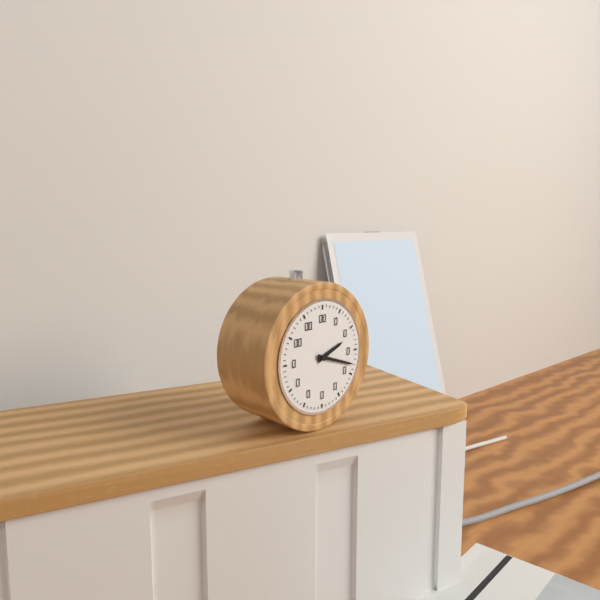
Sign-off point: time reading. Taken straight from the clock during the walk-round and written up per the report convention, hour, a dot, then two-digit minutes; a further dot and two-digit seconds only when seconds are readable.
2.18
